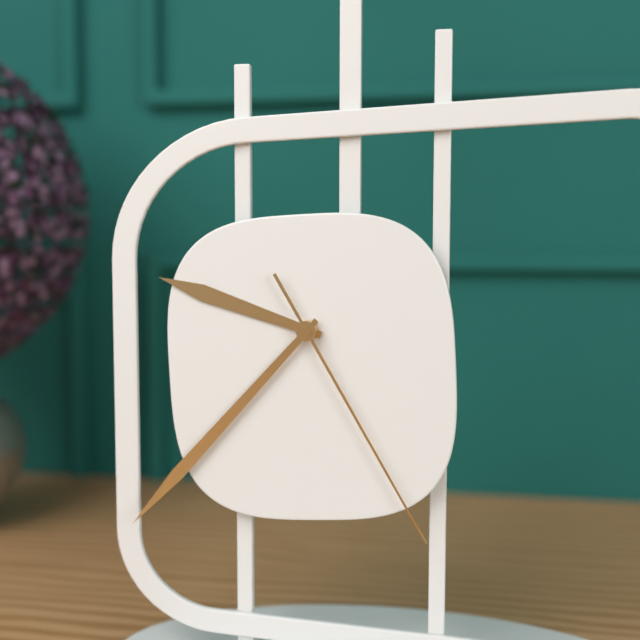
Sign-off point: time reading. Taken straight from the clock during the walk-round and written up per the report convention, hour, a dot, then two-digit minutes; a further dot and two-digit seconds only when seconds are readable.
9.37.25
